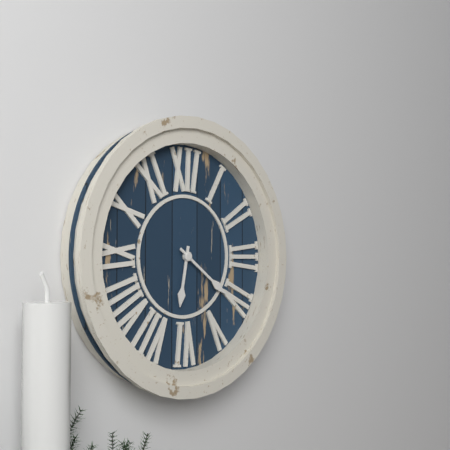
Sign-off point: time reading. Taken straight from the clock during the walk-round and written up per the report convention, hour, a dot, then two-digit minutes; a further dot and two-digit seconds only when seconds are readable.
6.21
